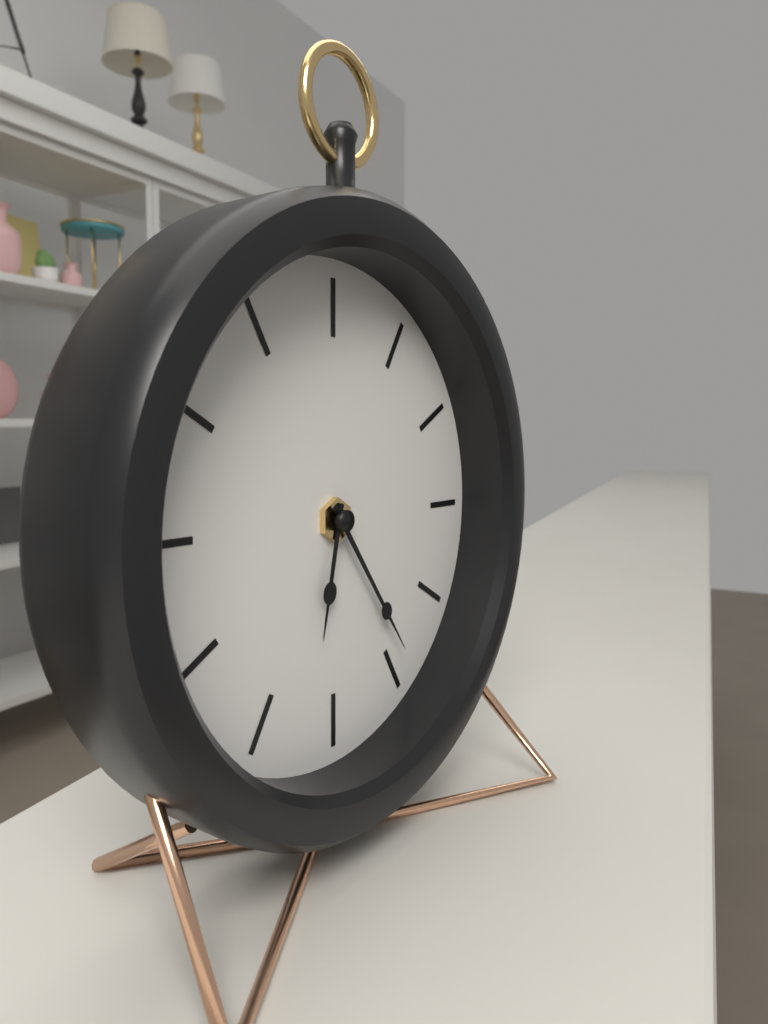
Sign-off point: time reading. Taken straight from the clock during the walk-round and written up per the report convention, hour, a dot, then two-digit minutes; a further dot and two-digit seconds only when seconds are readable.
6.24
